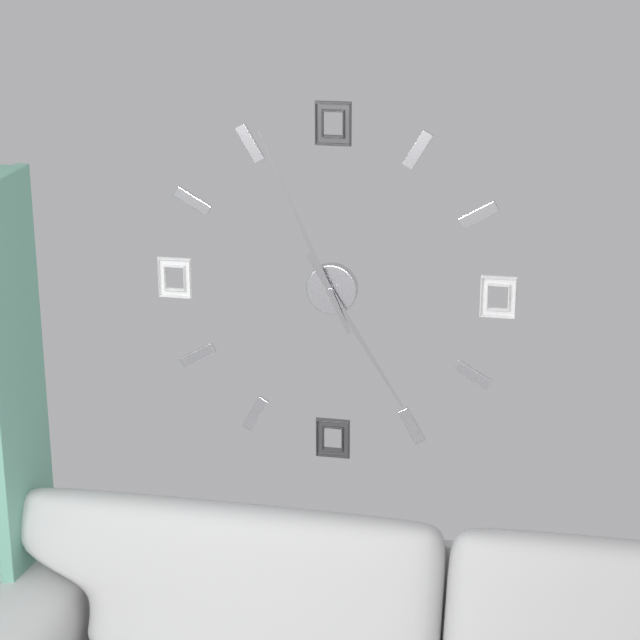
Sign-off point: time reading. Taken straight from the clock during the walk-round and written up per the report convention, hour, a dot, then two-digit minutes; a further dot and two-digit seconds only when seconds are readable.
4.56
